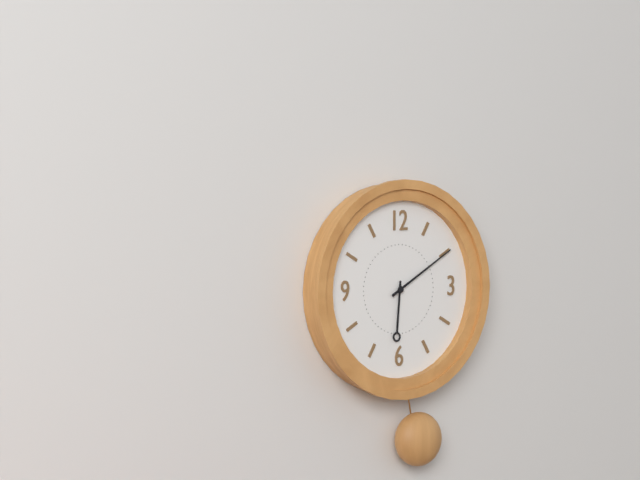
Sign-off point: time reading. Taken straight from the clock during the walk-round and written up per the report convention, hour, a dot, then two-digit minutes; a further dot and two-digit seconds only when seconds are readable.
6.10
